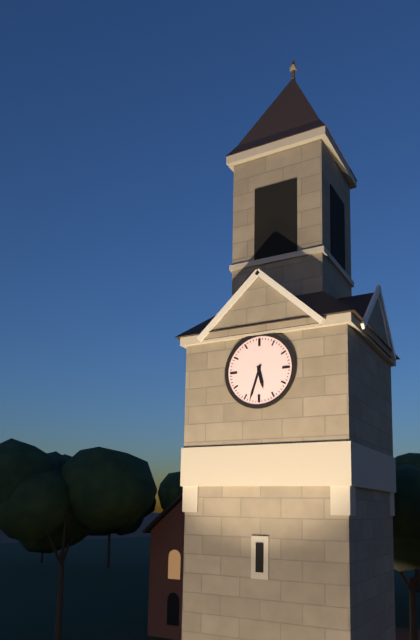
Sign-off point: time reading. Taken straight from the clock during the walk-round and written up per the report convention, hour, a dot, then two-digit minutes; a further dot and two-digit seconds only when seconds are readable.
5.33
